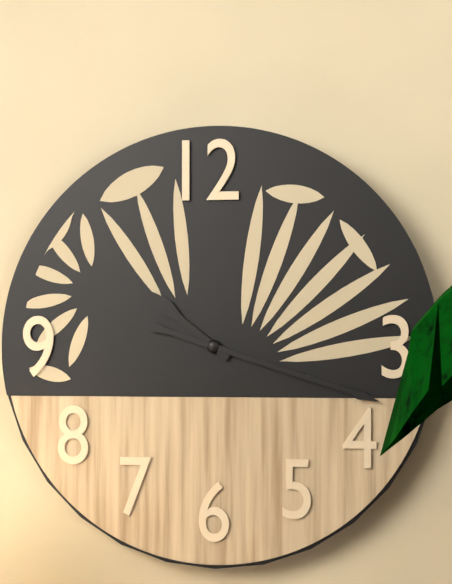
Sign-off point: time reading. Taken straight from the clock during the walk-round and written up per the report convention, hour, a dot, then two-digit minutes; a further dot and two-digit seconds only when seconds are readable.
10.18
